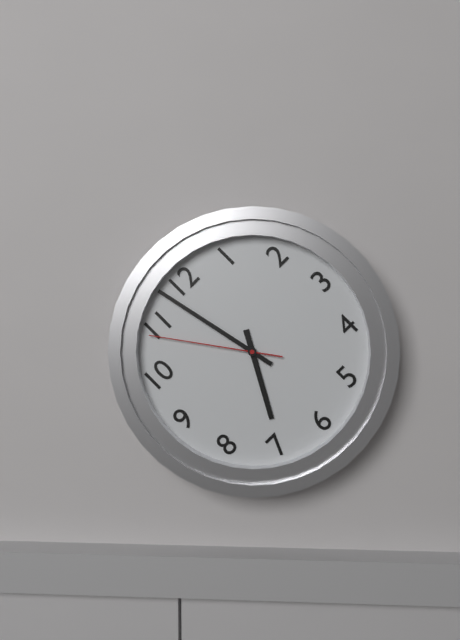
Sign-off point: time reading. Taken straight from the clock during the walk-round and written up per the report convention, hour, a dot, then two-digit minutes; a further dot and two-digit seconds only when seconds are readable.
6.58.54
